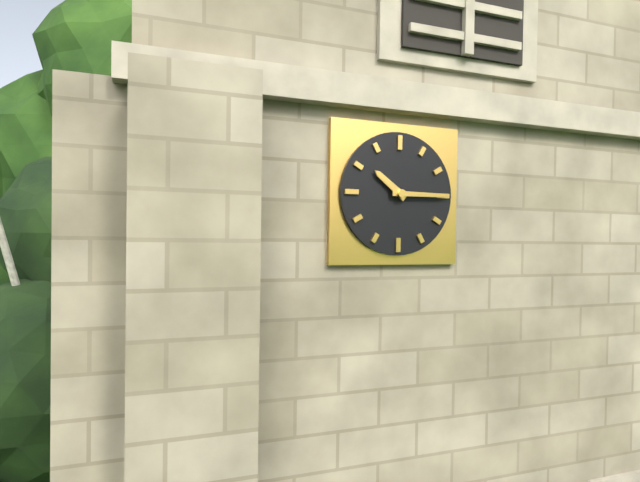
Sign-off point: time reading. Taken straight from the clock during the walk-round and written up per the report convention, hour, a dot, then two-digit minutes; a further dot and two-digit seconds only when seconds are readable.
10.15
